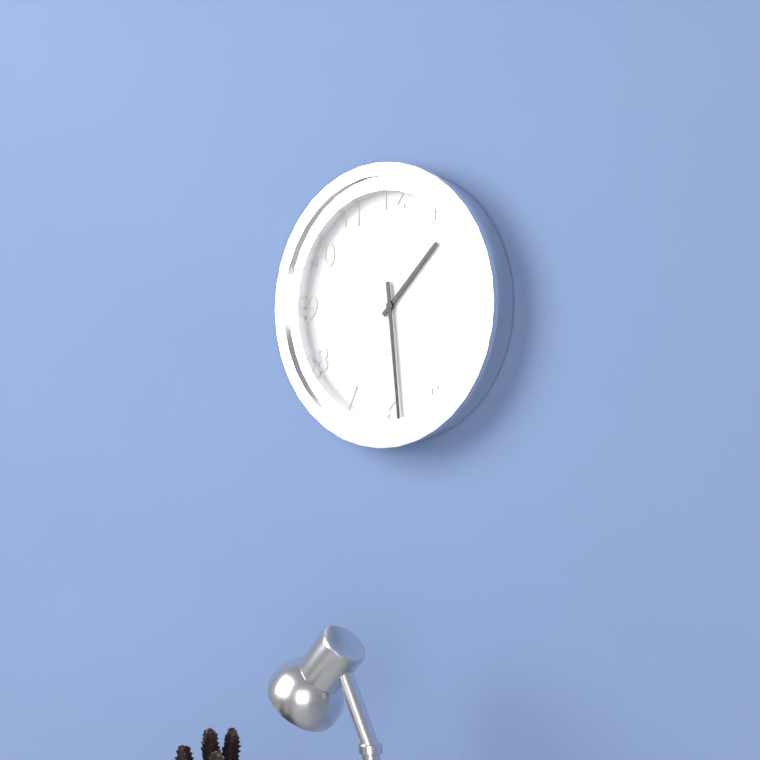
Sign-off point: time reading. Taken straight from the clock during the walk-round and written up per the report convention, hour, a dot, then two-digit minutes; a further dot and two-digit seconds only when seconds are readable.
1.29
